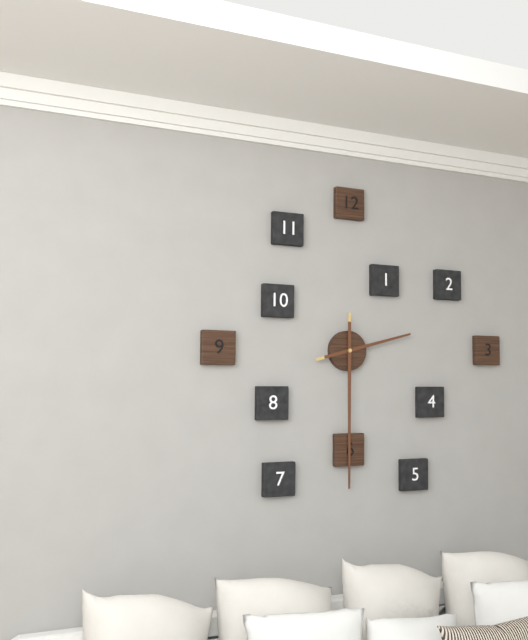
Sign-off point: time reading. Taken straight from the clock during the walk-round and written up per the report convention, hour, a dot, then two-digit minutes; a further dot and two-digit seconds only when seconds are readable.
2.30
